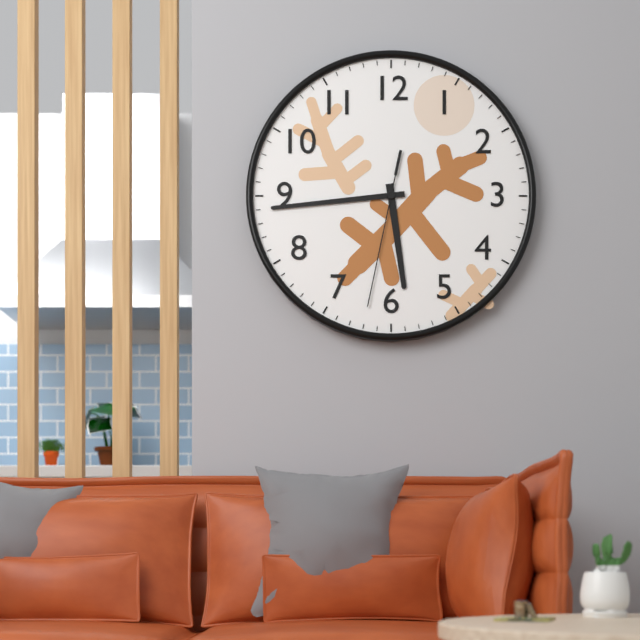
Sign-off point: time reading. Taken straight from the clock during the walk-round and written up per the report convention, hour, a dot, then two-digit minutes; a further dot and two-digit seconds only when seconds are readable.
5.44.32
